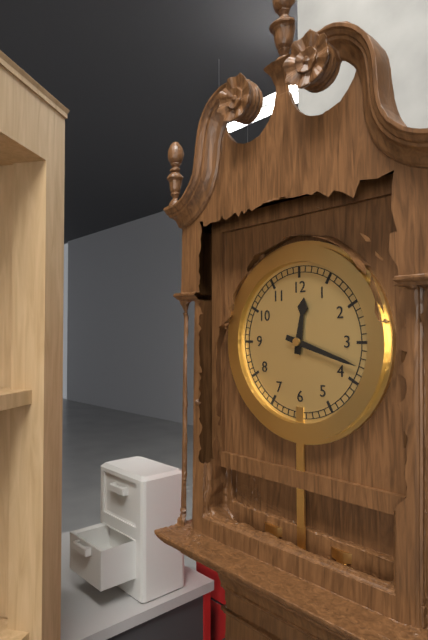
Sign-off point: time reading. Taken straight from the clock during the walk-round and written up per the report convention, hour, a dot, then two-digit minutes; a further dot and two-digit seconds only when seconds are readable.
12.18
